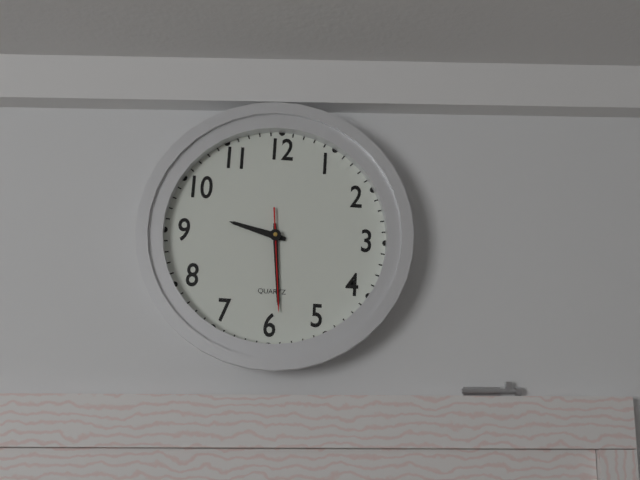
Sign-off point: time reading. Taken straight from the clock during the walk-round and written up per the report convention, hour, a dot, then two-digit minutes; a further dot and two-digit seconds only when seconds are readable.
9.29.29
